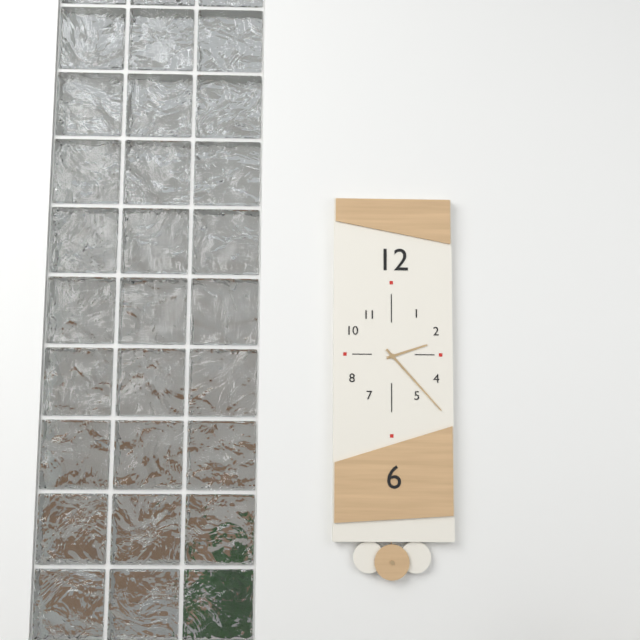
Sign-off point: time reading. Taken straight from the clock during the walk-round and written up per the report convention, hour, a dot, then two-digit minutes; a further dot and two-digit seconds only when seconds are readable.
2.23
